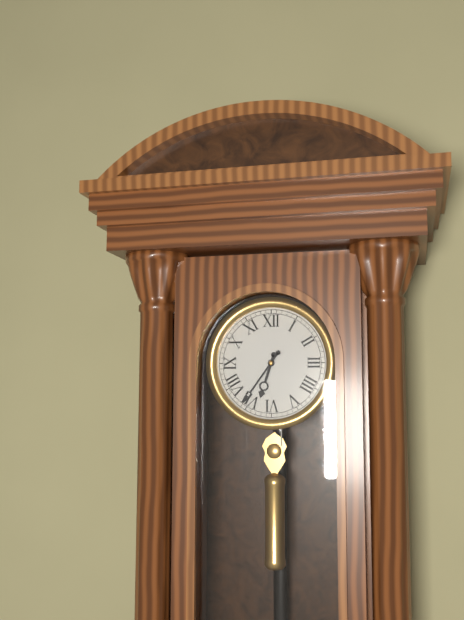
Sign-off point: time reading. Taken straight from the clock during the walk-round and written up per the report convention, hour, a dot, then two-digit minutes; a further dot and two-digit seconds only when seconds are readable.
6.36
